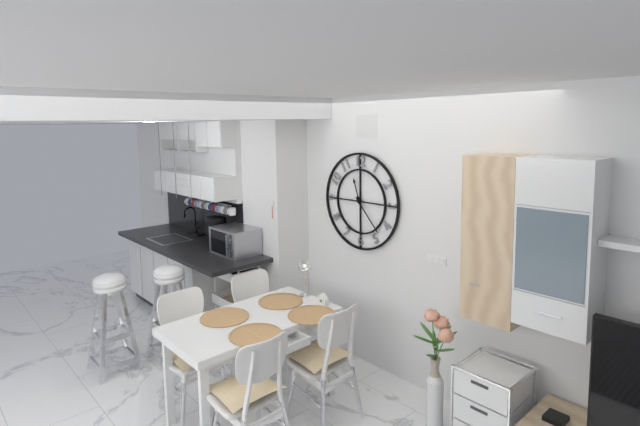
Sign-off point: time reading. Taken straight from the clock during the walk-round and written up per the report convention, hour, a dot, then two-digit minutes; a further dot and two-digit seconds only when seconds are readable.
11.23
